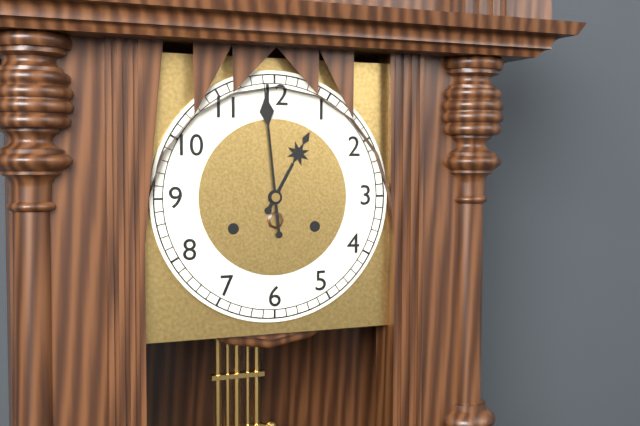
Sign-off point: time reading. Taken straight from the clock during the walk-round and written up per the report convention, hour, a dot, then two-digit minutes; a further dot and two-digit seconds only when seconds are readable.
12.59
